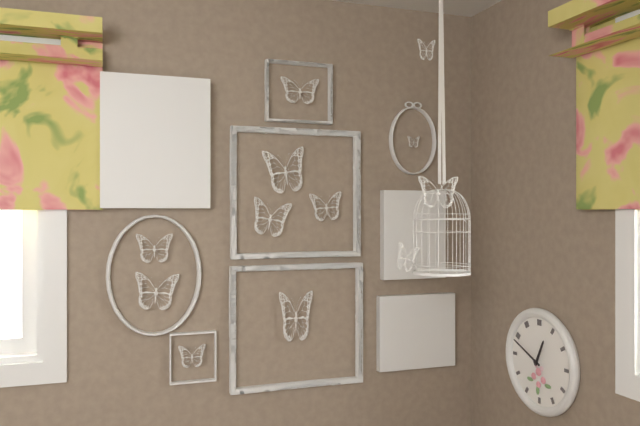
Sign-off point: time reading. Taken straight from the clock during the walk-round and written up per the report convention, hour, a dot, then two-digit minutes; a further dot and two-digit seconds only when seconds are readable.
12.49
